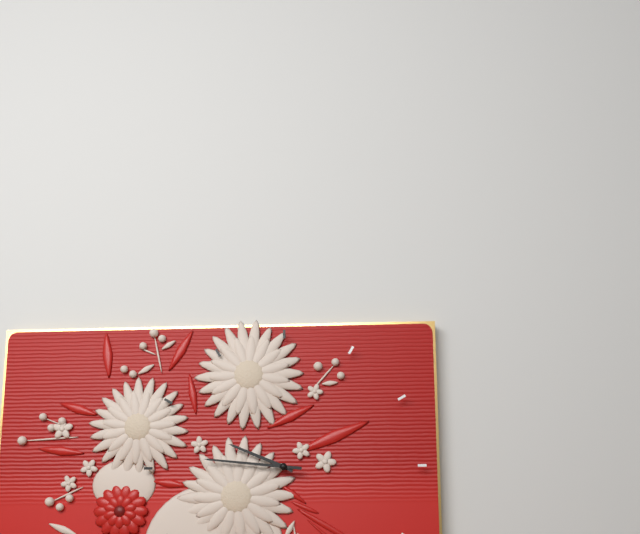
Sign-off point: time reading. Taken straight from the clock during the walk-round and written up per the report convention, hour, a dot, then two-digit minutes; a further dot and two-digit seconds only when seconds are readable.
9.46
